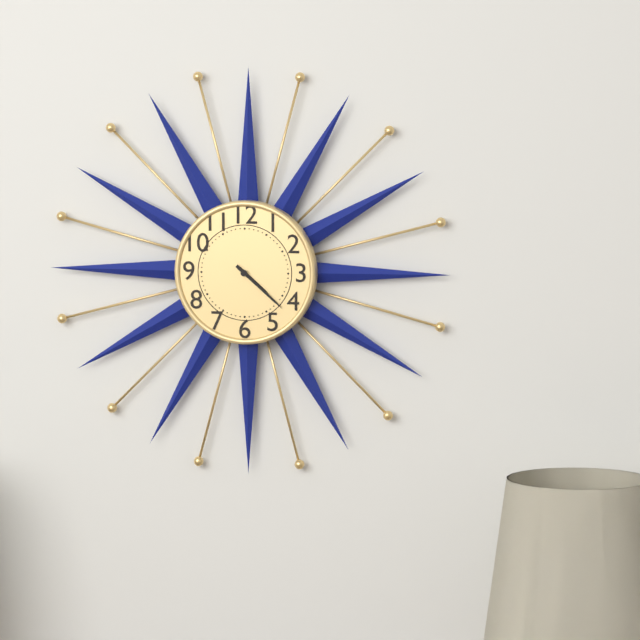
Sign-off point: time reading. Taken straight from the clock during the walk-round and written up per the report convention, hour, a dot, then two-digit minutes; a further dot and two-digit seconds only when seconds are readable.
4.22
